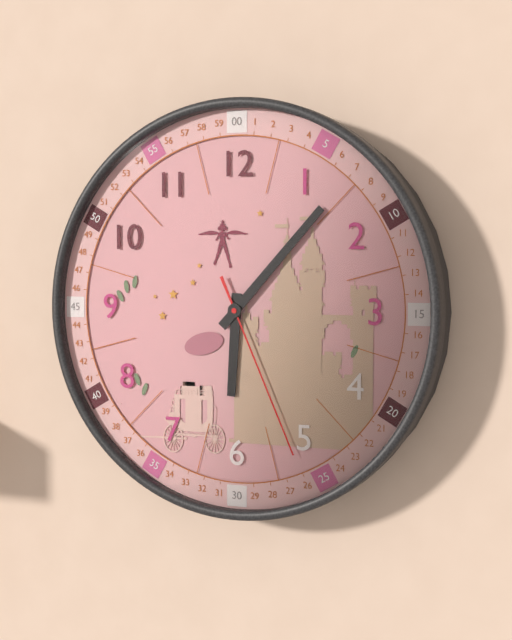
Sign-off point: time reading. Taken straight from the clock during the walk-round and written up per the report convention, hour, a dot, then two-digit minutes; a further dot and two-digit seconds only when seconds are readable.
6.07.26
